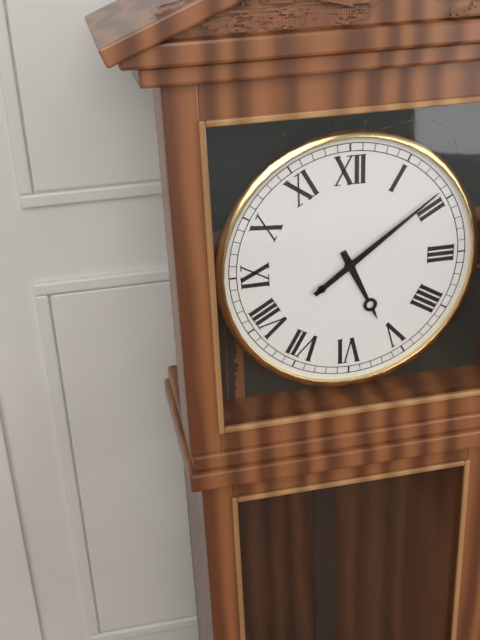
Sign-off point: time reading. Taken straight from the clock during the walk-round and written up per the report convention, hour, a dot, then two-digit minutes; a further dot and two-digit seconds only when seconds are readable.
5.09
